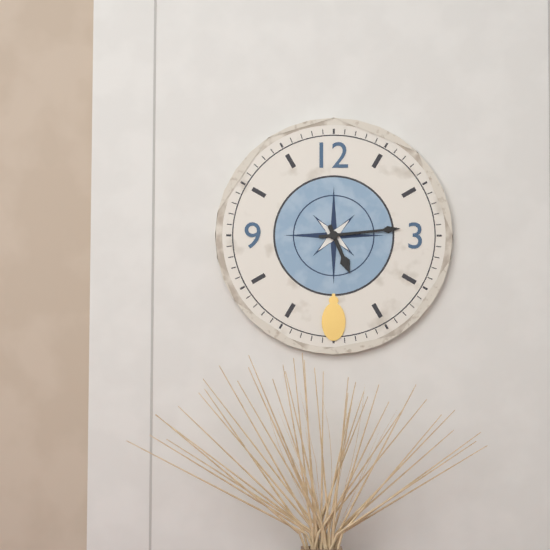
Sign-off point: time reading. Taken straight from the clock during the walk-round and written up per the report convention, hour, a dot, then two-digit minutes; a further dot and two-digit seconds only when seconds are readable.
5.14
